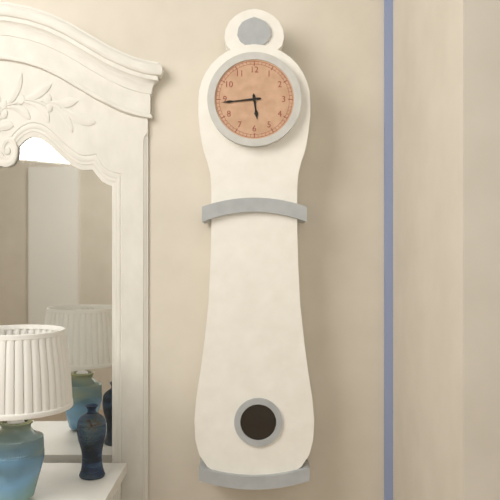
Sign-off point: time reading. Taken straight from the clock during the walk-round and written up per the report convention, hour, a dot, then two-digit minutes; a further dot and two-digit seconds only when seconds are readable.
5.44
